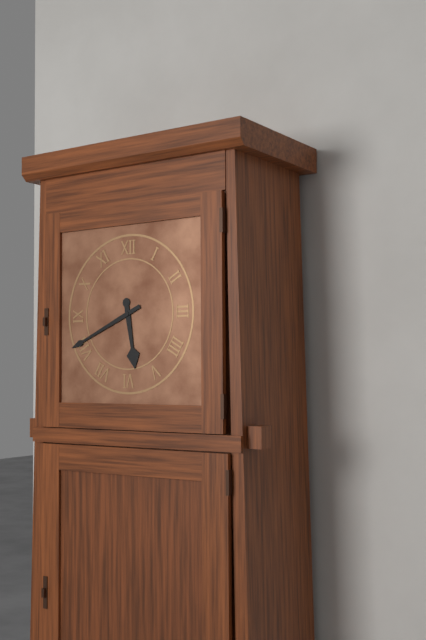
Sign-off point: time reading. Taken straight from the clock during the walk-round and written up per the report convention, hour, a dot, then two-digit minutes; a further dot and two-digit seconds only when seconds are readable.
5.41
